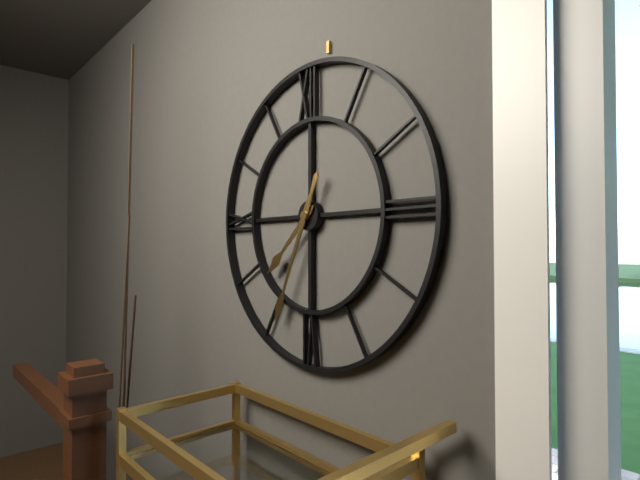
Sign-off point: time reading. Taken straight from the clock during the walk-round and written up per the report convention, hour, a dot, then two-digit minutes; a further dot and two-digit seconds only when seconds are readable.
7.34
